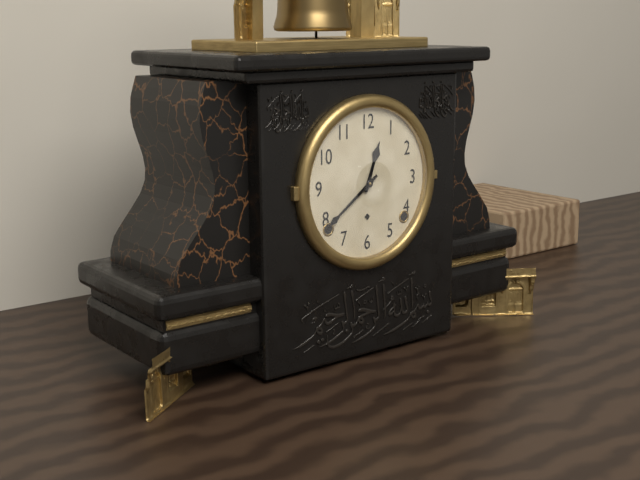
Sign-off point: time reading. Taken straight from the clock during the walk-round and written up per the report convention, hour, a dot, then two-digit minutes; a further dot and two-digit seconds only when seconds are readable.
12.39
